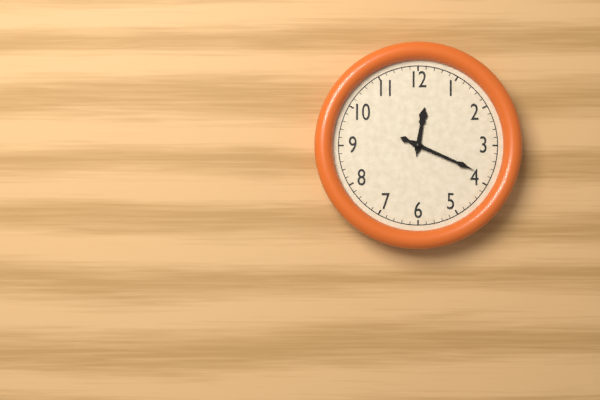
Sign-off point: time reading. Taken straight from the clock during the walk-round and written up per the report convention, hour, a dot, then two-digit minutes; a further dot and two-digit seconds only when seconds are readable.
12.19
